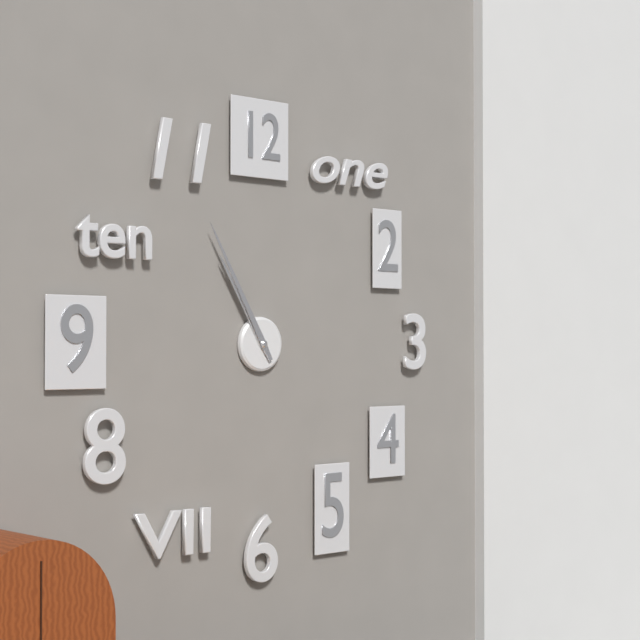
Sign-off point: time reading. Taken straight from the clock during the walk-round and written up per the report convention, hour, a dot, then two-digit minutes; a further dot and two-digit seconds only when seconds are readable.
10.55
